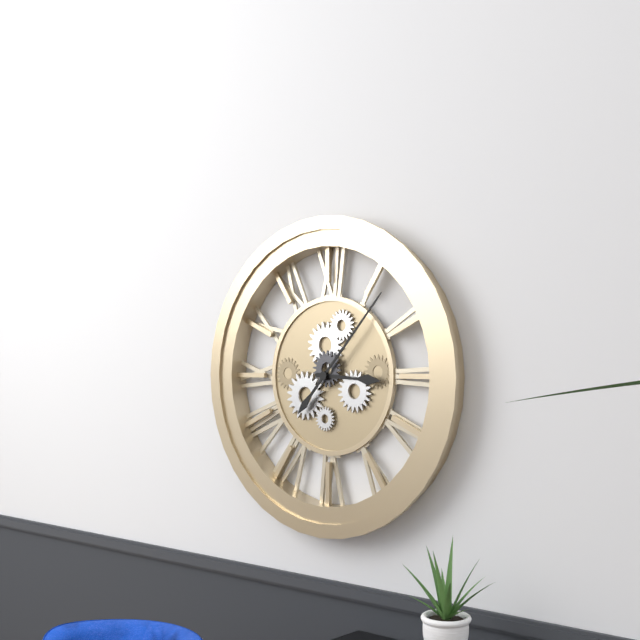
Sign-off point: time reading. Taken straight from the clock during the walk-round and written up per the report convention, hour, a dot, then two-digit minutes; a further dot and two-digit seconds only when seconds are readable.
3.07
